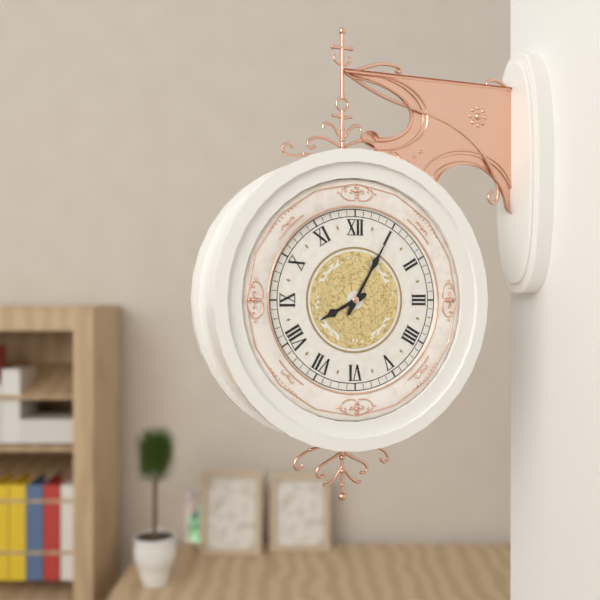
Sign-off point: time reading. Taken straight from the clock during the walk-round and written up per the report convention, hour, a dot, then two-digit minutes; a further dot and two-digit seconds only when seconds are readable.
8.05
